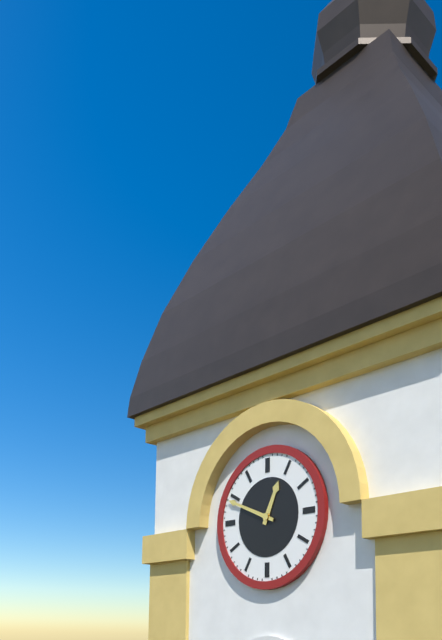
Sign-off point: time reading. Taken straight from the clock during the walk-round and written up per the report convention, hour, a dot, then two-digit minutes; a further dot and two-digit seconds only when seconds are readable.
12.49
